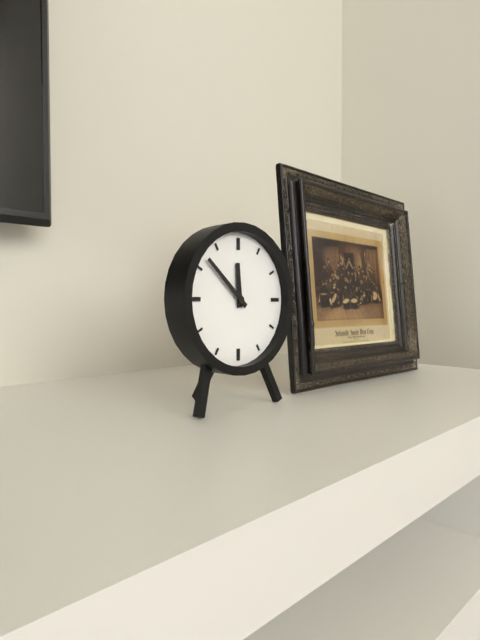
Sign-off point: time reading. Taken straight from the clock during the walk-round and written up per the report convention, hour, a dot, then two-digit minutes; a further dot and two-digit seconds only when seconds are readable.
11.52
